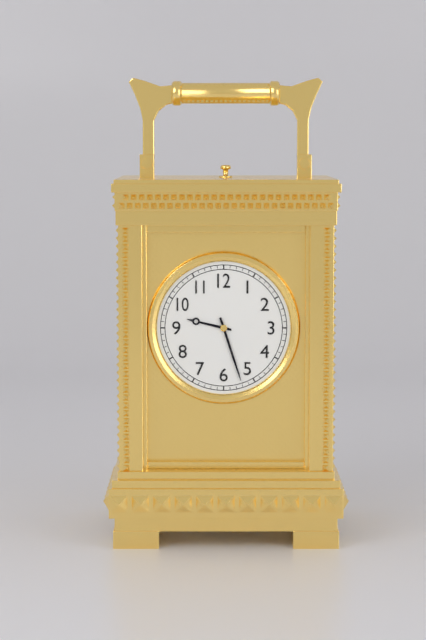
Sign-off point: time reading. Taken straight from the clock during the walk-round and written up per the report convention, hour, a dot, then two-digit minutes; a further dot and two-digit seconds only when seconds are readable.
9.27
